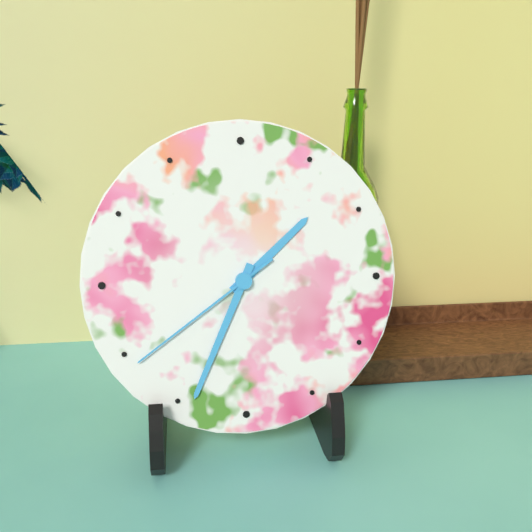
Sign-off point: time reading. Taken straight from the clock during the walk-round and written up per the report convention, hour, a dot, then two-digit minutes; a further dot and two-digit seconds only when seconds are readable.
1.34.39
